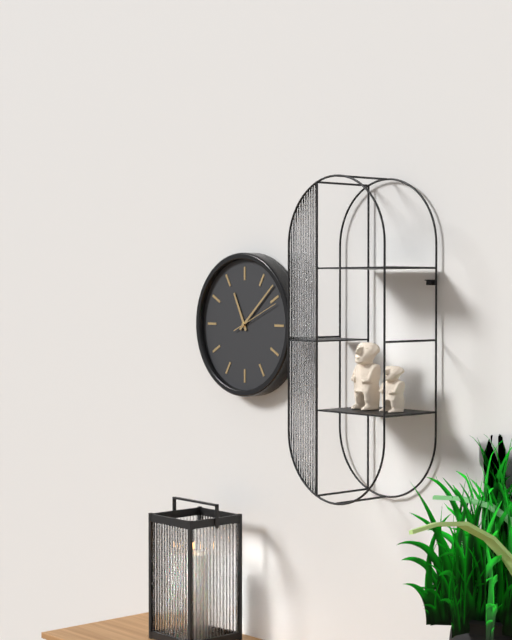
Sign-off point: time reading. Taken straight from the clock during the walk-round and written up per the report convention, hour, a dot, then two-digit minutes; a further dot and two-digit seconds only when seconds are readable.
11.08
